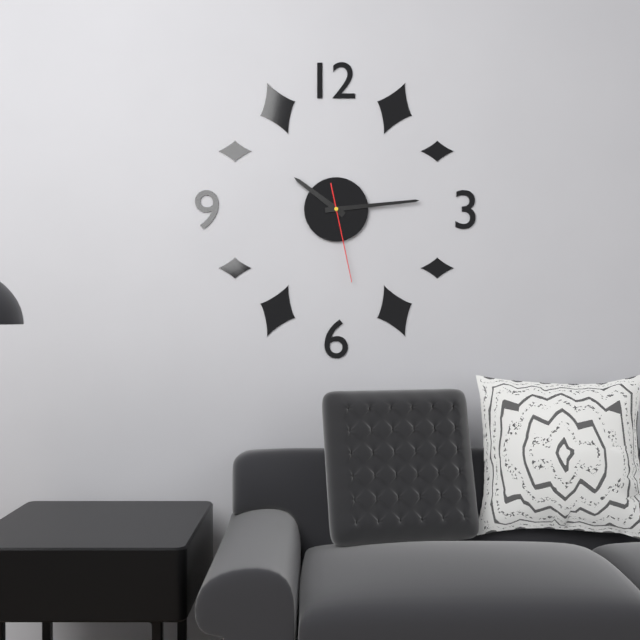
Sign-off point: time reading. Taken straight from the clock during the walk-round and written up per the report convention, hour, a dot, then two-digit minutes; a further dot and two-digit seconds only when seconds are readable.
10.14.28
